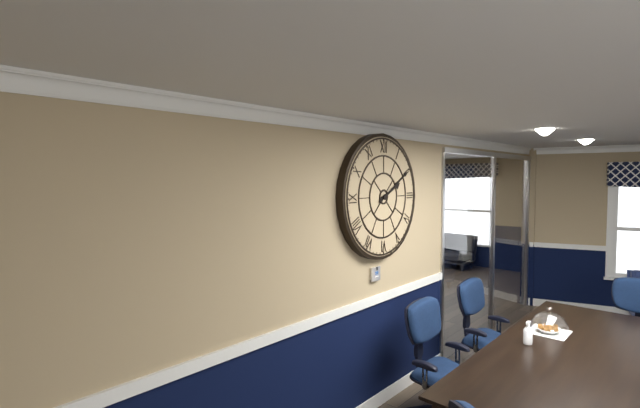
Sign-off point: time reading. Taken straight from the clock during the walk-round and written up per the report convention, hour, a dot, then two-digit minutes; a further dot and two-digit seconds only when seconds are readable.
2.10
